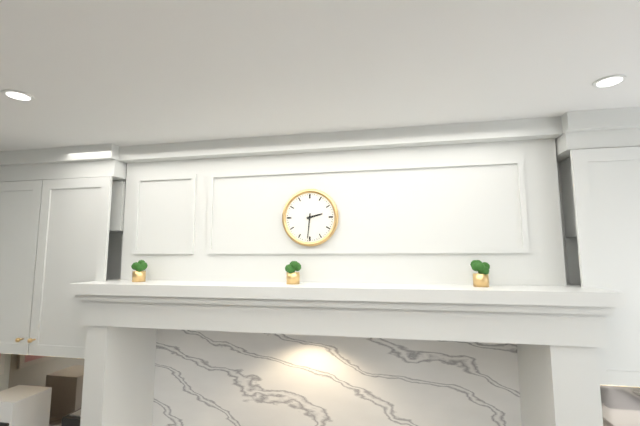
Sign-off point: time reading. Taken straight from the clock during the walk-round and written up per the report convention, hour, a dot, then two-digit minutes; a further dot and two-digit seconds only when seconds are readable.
2.31
